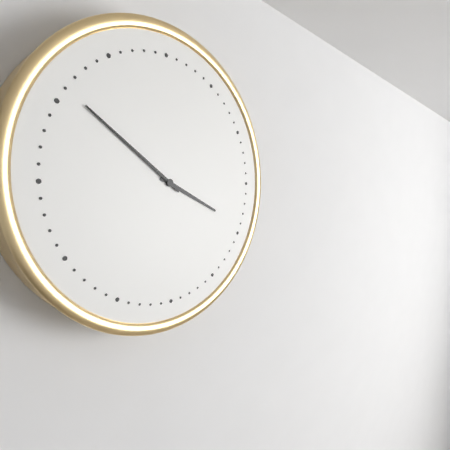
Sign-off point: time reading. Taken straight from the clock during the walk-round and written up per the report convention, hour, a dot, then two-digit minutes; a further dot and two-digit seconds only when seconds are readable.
3.51
